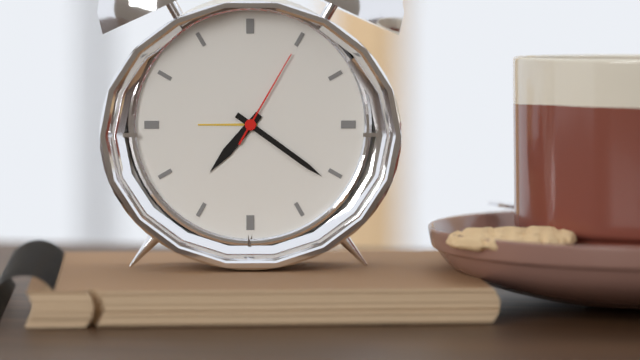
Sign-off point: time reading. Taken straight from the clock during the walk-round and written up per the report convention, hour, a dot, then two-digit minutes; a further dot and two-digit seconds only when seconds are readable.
7.21.05
